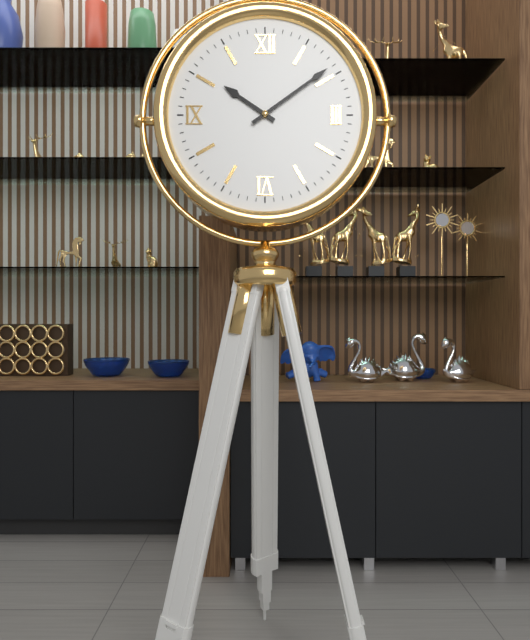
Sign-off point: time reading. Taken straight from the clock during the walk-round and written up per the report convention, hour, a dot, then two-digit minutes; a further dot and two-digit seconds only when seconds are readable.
10.09
